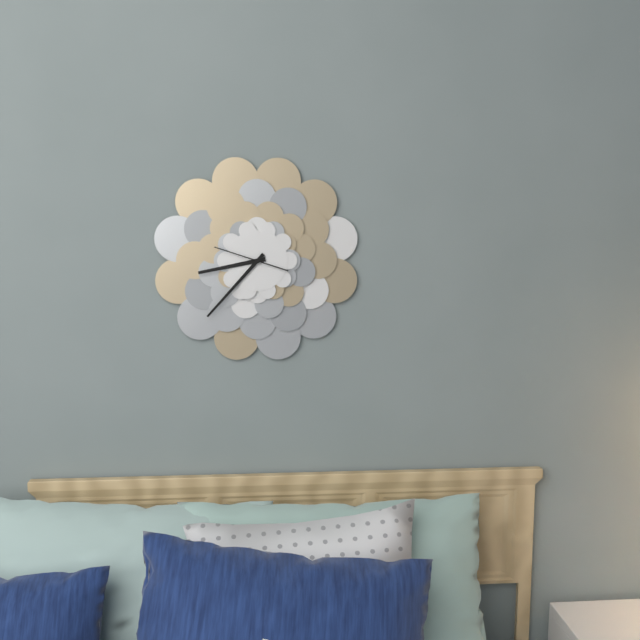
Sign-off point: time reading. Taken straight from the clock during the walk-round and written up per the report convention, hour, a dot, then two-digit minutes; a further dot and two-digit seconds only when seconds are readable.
8.37.48
